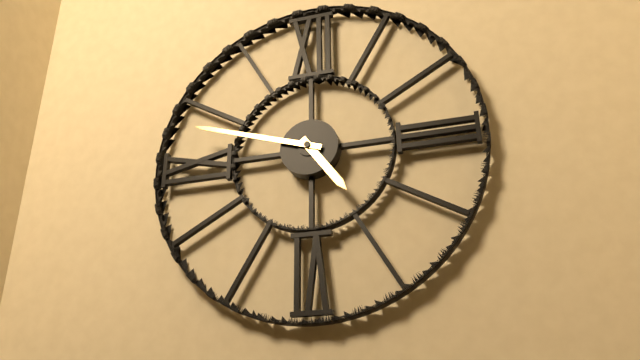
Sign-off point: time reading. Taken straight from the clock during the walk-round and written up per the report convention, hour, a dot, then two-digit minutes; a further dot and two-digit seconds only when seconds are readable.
4.48
